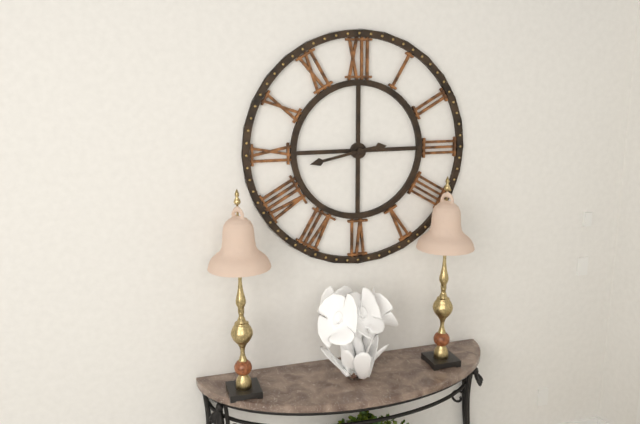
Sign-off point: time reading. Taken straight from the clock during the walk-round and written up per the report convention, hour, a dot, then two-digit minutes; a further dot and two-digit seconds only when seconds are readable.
2.43
